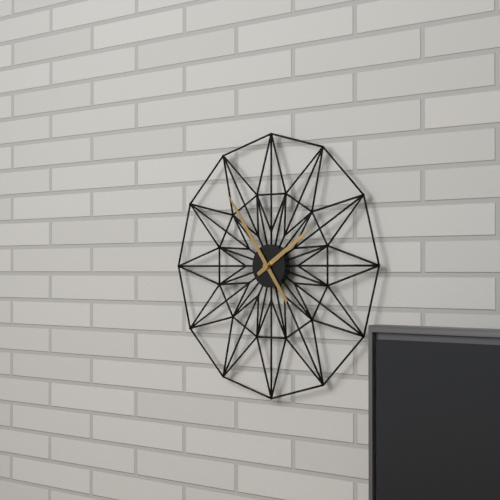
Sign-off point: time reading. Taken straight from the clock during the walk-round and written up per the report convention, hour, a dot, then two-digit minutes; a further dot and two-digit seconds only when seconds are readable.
1.54
